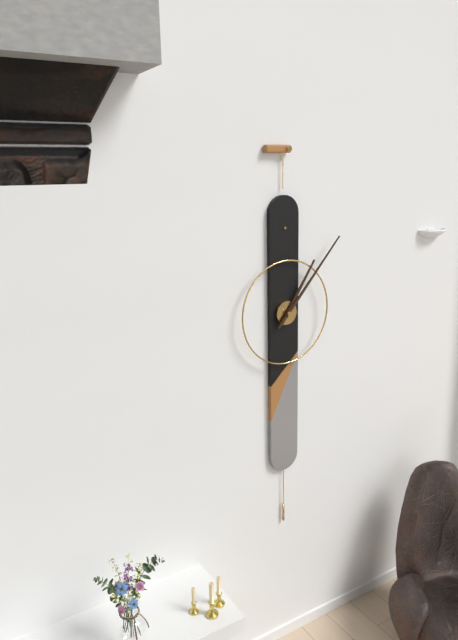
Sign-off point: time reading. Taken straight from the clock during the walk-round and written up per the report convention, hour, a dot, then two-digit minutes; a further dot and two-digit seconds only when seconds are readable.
1.07
